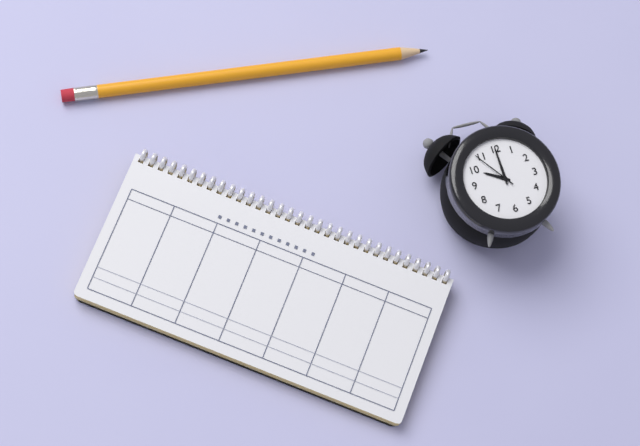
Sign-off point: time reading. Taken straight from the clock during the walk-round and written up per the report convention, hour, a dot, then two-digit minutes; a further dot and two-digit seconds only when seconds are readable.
10.00
